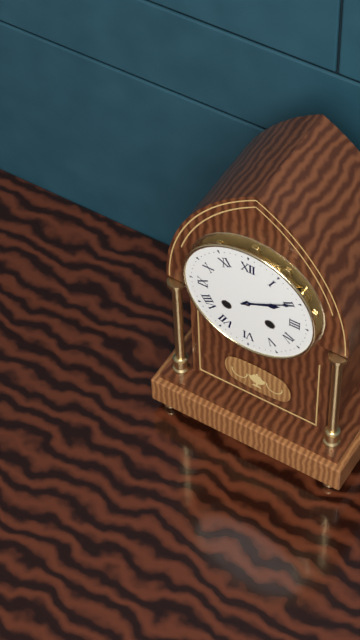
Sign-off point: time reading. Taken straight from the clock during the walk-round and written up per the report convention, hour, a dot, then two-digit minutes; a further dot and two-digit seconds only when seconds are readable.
2.10
